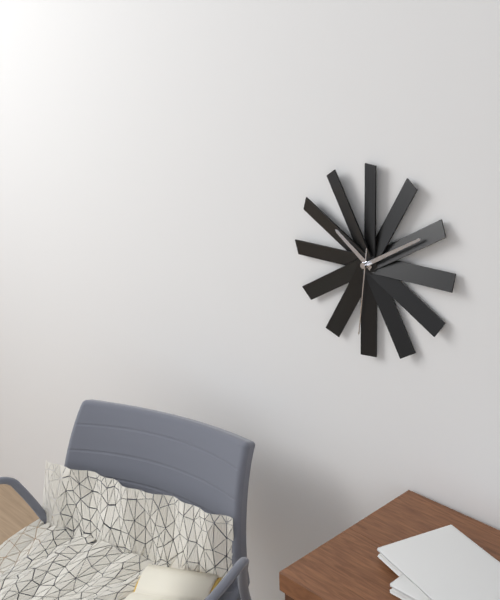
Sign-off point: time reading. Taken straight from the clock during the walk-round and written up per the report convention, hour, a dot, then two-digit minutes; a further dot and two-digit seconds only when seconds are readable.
10.10.31
